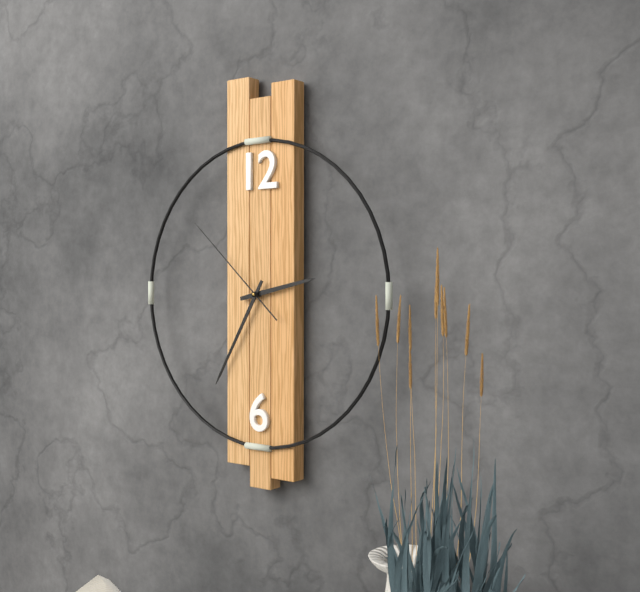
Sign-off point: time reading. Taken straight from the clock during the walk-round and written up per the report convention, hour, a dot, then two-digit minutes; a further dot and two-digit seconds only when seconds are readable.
2.35.52
